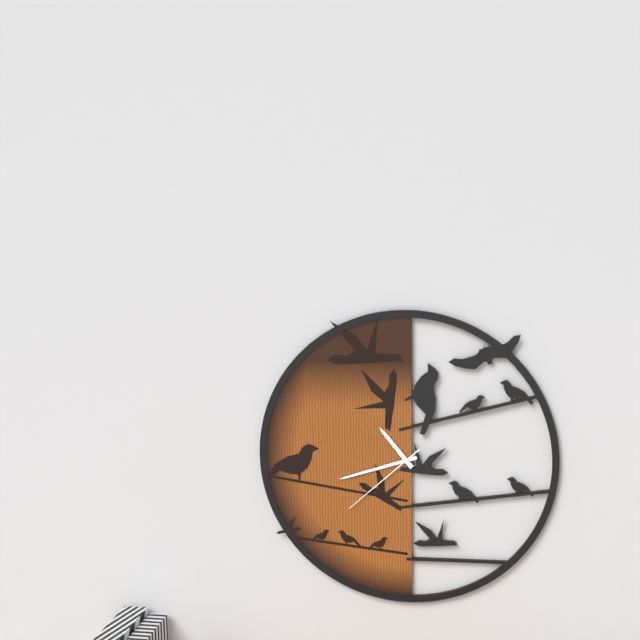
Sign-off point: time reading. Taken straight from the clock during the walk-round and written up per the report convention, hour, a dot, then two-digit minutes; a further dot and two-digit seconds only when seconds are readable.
10.42.38
